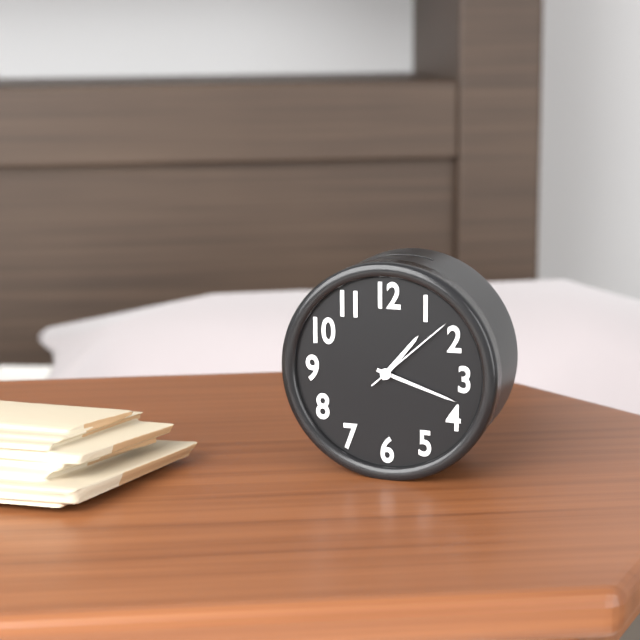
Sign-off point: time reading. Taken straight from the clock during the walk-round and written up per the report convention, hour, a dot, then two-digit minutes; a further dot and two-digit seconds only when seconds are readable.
1.18.08
